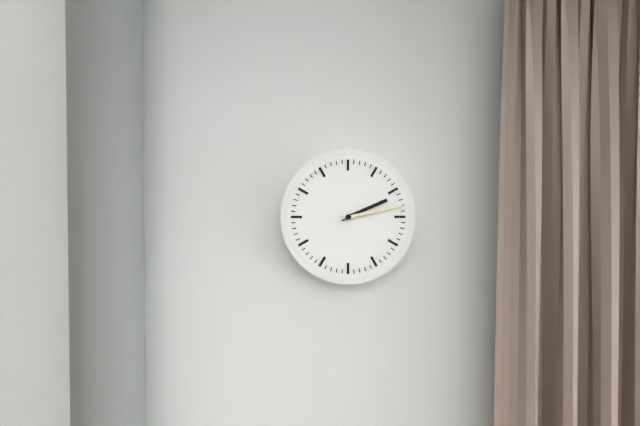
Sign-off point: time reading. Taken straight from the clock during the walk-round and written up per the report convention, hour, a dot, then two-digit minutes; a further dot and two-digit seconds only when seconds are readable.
2.13
